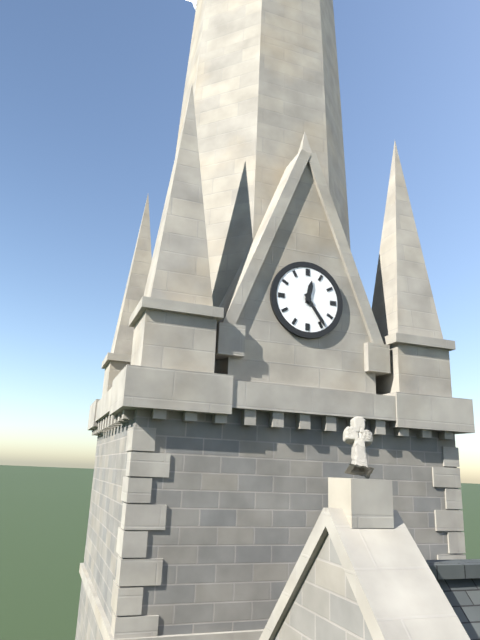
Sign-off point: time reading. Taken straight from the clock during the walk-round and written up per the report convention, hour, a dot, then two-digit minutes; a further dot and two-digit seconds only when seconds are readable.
12.24
